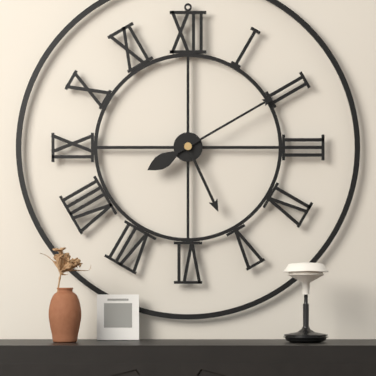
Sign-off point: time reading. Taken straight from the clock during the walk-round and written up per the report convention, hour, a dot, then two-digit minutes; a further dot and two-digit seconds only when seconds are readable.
5.10
